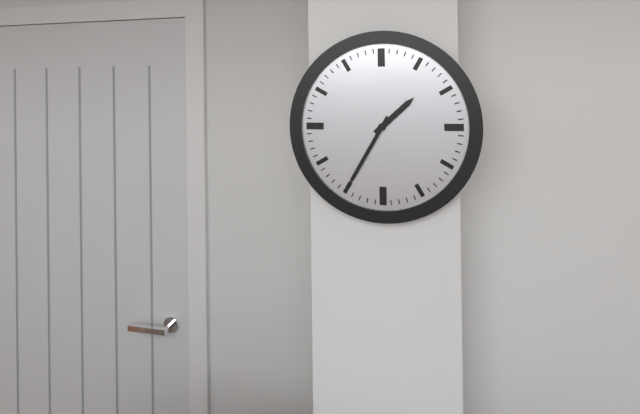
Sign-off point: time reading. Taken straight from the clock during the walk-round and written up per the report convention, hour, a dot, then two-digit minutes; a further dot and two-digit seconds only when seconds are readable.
1.35
